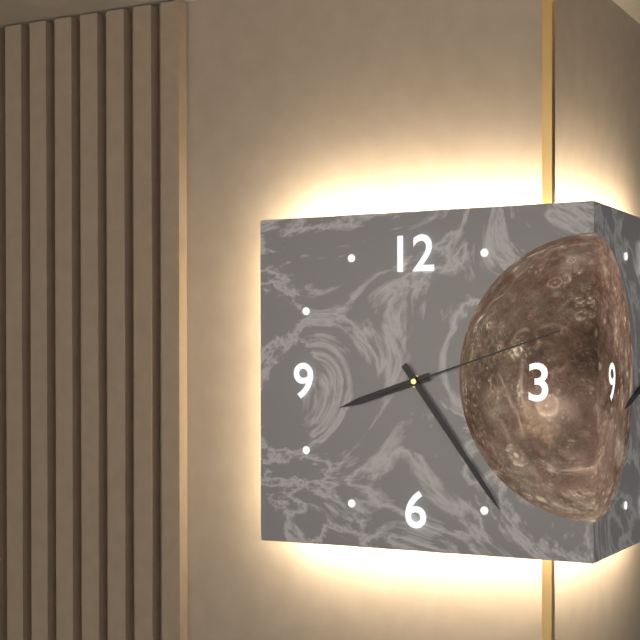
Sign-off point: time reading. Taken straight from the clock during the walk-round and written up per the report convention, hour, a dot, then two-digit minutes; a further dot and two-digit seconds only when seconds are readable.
8.24.12
